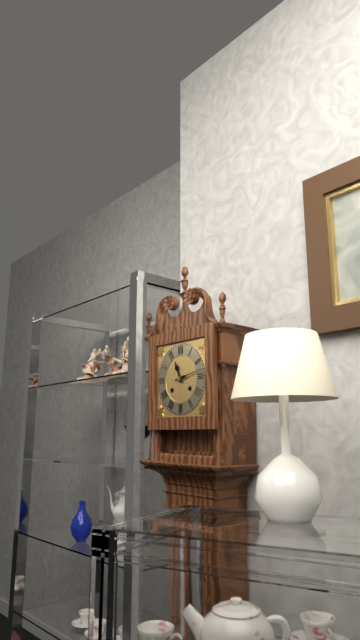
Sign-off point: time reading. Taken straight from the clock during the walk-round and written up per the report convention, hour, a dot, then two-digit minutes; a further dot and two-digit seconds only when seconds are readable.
11.13
